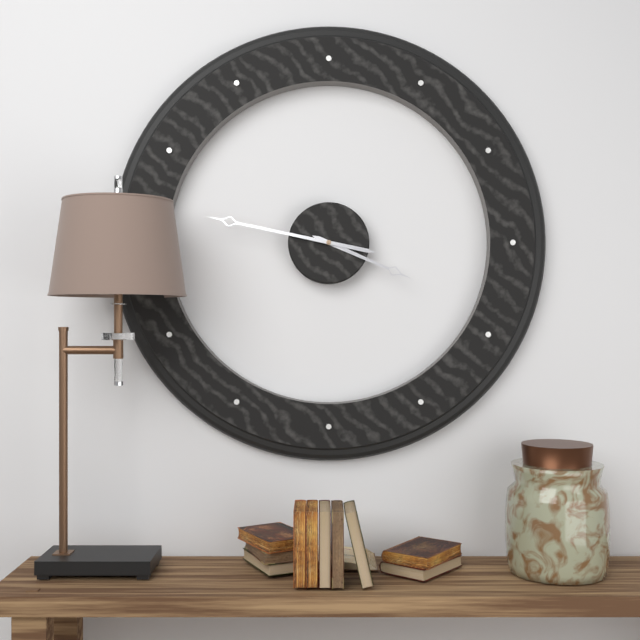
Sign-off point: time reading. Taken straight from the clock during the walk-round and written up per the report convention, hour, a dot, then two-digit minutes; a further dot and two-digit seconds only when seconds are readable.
3.47
